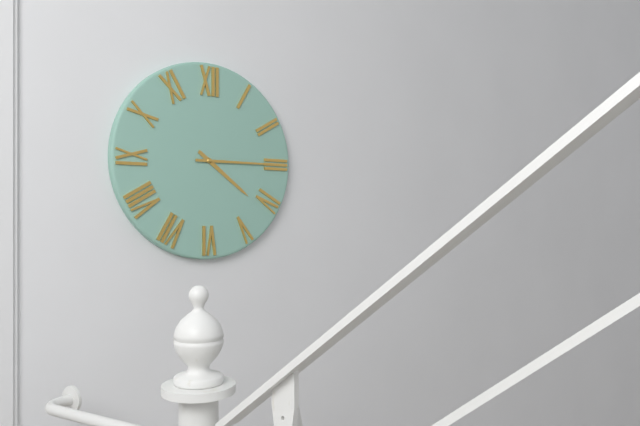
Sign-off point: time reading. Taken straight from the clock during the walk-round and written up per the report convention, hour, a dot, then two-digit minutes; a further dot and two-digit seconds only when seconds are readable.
4.15
